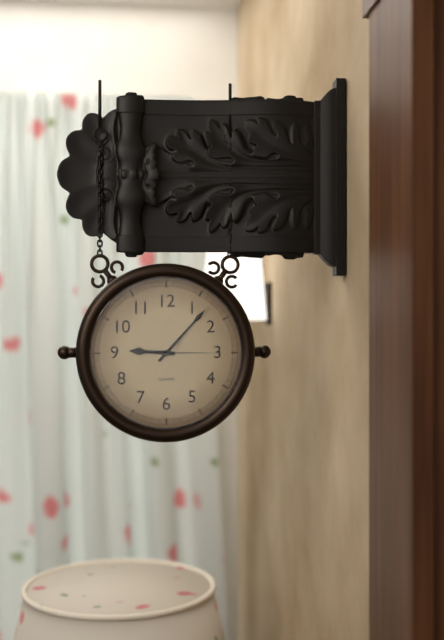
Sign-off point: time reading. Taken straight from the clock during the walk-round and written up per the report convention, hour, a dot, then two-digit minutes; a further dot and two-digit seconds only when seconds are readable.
9.07.15
